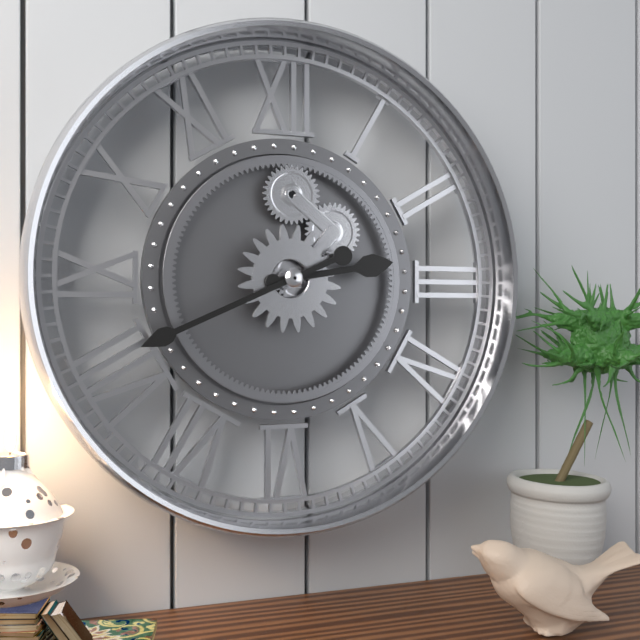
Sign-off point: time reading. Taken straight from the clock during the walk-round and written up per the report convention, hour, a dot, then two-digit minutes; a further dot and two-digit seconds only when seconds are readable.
2.41
